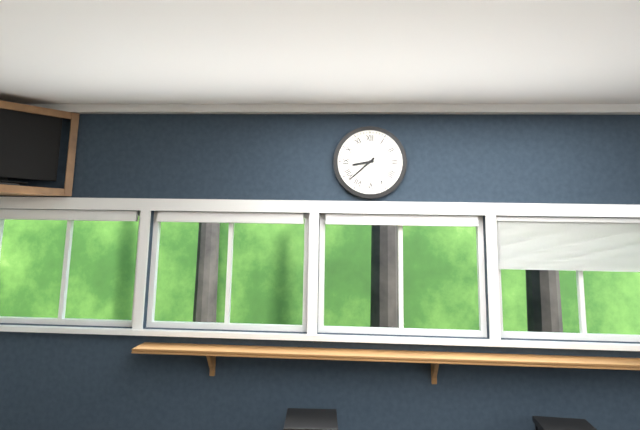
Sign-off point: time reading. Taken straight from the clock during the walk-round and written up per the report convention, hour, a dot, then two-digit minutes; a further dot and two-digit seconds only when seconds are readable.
8.38
